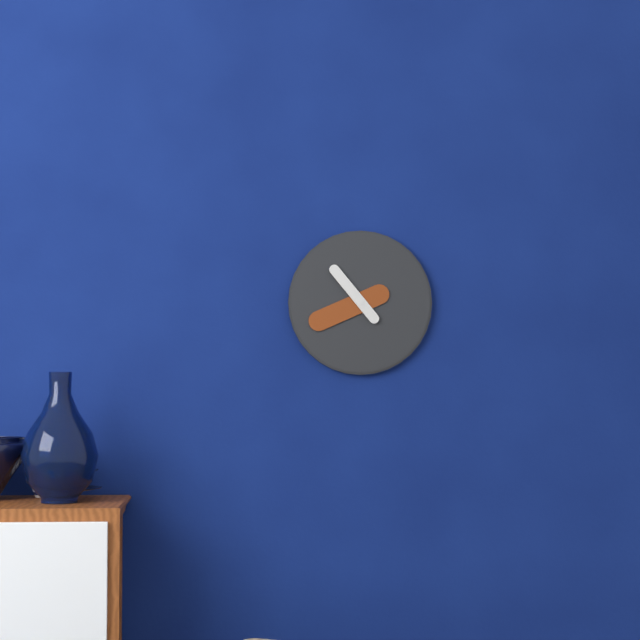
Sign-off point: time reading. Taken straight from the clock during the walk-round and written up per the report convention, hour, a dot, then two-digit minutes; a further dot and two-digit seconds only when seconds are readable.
10.41
